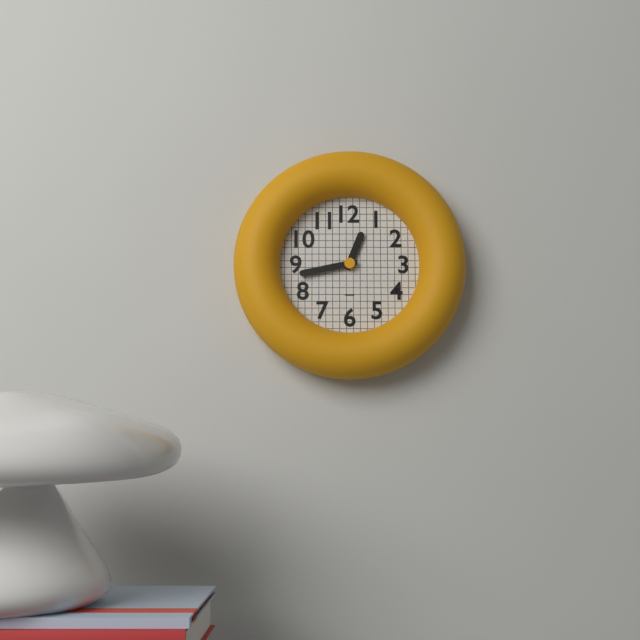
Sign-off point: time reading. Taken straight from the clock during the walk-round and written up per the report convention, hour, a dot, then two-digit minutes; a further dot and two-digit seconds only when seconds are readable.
12.43
